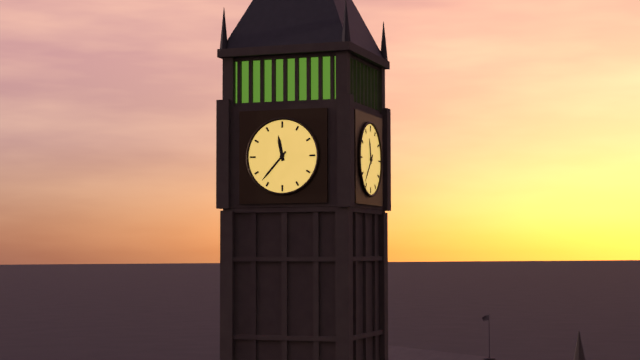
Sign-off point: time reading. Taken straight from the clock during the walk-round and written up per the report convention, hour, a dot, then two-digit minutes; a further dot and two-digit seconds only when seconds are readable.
11.37
